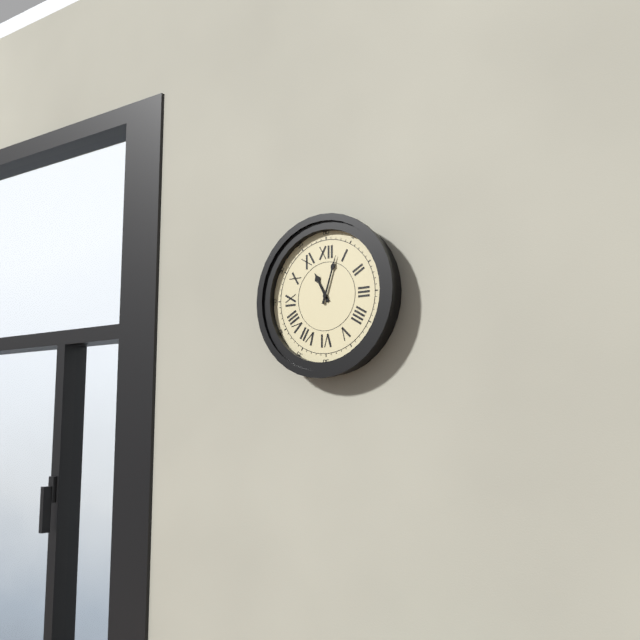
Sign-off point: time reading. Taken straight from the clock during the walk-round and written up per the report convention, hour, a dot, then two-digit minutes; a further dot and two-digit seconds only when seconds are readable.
11.03
